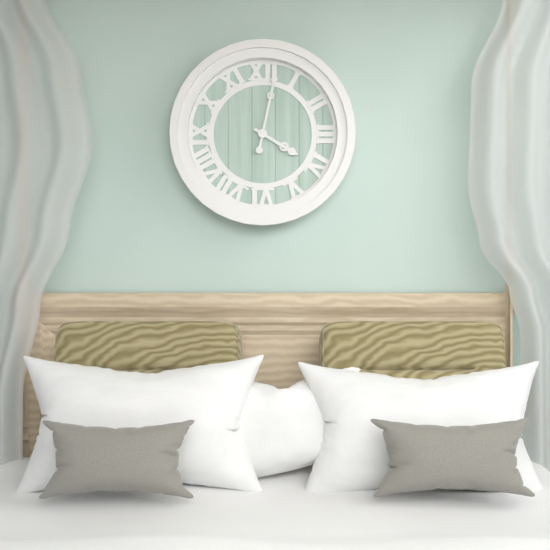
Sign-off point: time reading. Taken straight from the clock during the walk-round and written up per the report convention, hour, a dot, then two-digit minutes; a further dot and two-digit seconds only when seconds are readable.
4.02
